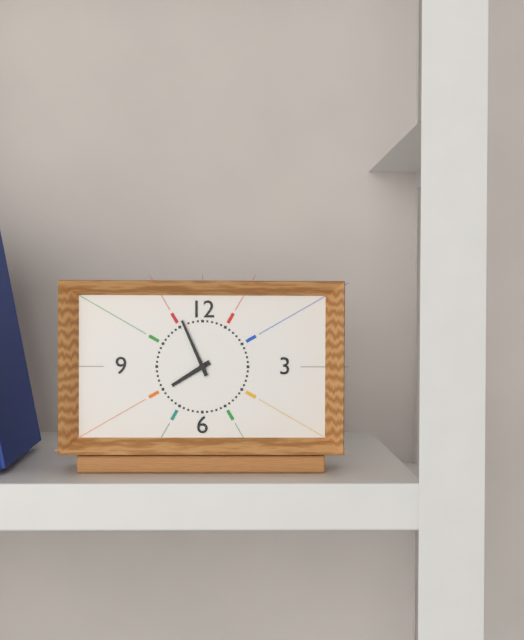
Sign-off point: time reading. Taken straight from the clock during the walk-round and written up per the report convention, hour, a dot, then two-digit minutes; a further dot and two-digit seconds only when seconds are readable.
7.56
